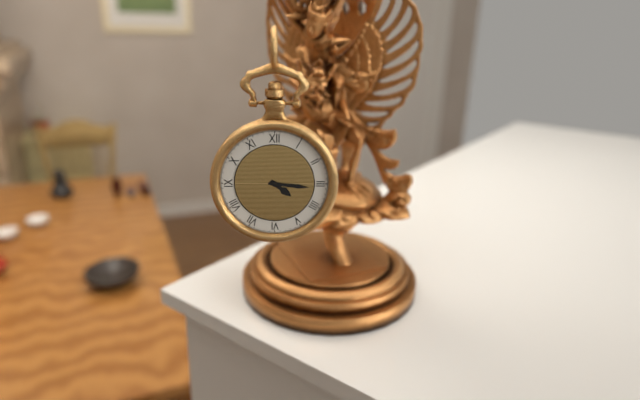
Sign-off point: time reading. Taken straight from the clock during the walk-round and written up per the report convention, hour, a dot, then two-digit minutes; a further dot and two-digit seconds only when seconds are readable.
4.16
